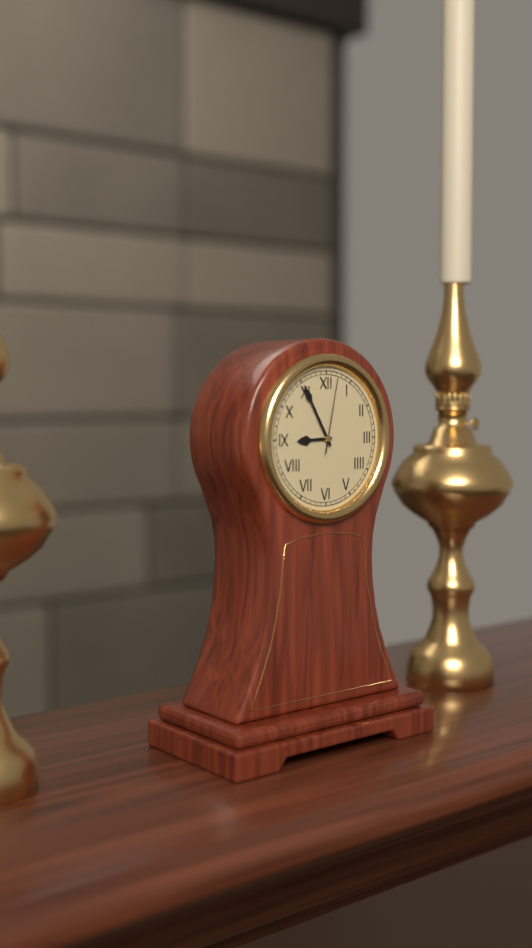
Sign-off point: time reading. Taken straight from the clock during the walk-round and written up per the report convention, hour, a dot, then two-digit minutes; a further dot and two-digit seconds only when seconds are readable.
8.55.02
